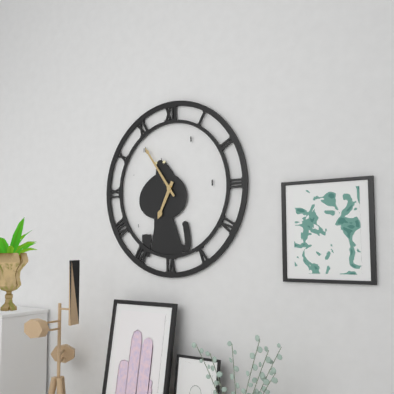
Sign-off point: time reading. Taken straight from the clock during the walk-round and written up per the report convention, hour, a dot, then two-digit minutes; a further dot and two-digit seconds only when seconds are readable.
6.54
